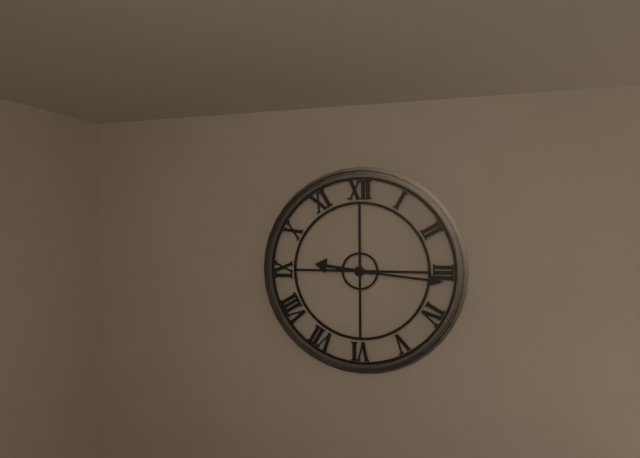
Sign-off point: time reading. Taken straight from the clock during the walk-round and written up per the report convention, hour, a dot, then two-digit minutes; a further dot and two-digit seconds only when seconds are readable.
9.16
